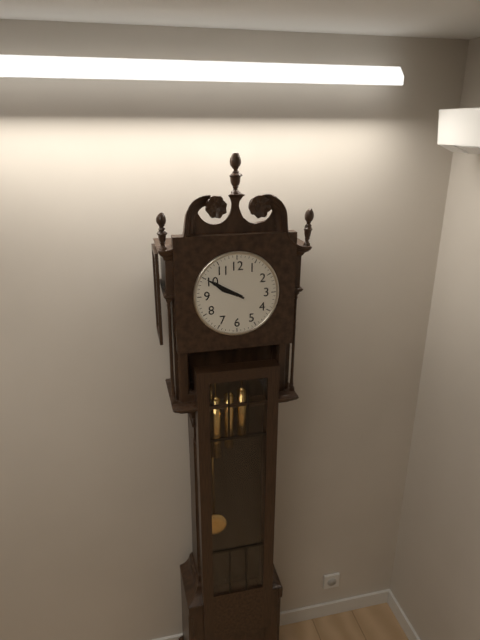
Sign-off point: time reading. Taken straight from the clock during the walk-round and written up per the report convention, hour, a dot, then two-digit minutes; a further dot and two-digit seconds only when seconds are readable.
9.50
